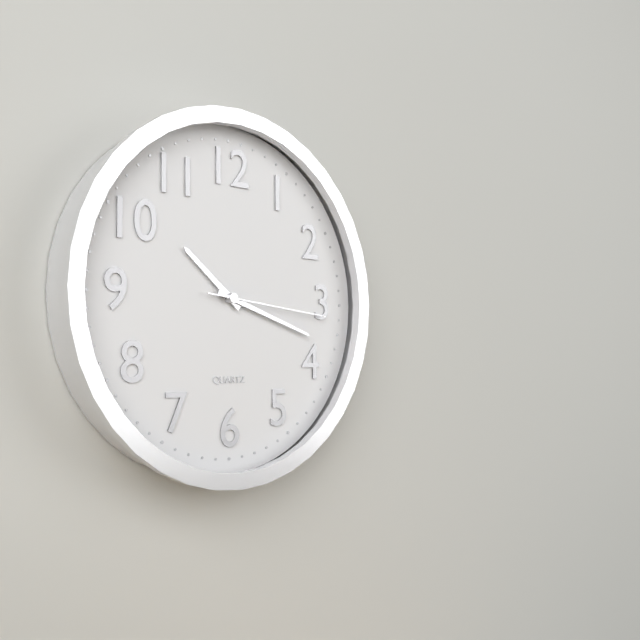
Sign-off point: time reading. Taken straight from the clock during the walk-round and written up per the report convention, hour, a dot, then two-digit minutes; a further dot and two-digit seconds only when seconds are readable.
10.18.16
